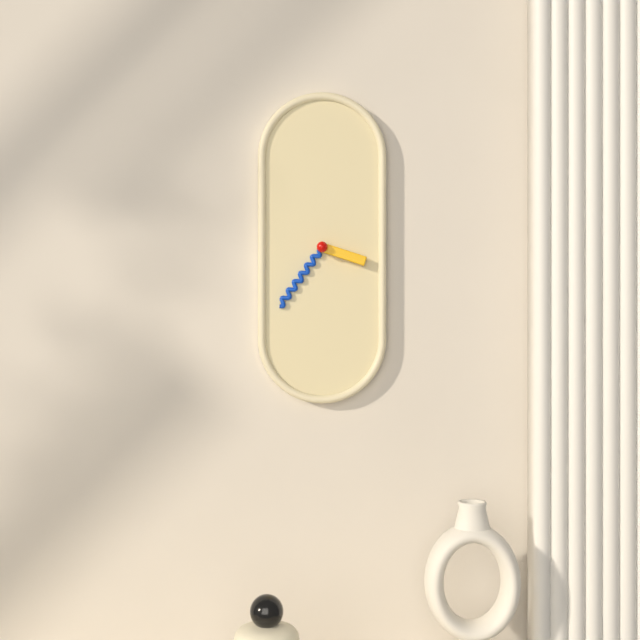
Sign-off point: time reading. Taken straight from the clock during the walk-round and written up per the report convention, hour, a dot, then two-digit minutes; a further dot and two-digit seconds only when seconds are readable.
3.36
